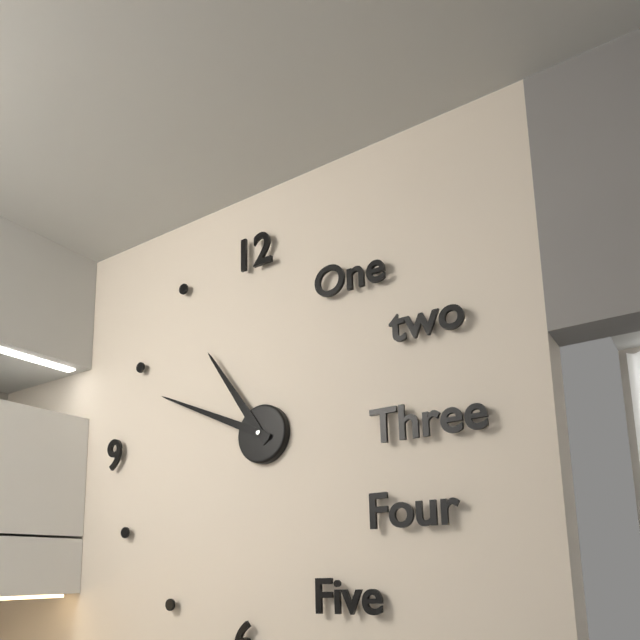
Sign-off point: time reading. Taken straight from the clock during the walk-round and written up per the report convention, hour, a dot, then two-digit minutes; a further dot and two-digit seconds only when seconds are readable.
10.49
